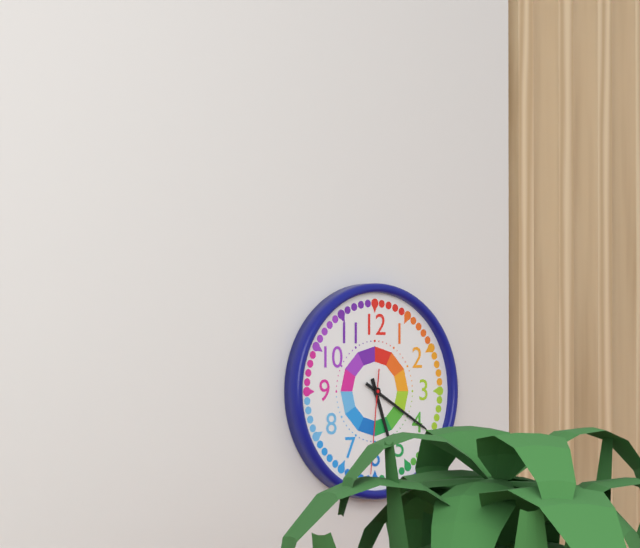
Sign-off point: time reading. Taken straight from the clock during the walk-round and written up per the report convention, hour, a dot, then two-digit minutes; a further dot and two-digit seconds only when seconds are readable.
5.20.31
